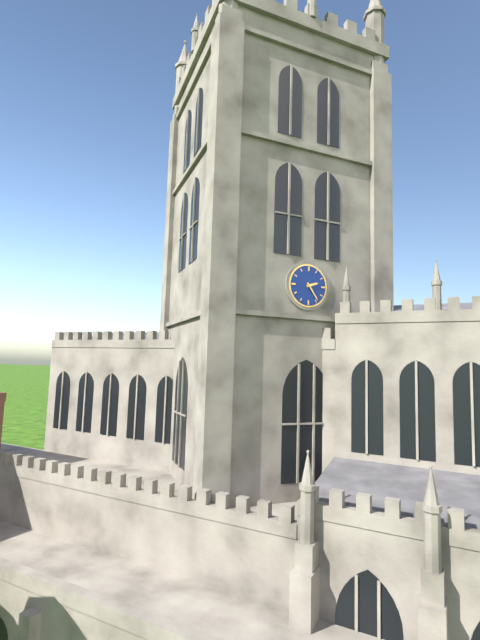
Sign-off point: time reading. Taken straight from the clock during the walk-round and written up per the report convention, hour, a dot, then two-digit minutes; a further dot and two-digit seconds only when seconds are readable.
2.24
